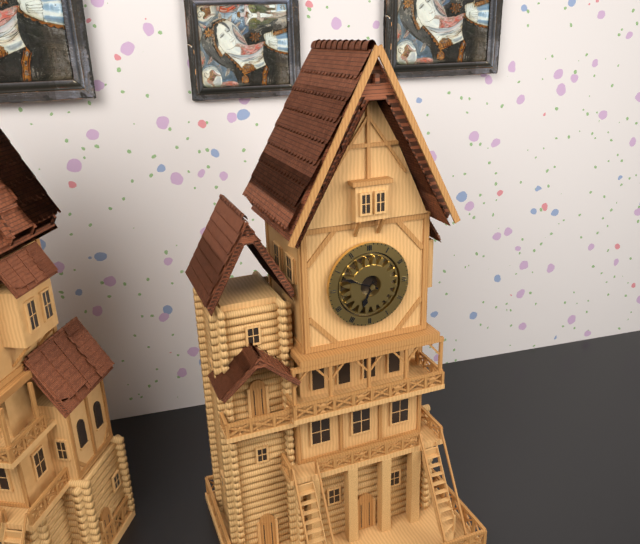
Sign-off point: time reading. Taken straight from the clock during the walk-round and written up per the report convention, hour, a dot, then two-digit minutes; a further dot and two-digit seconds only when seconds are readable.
6.49
